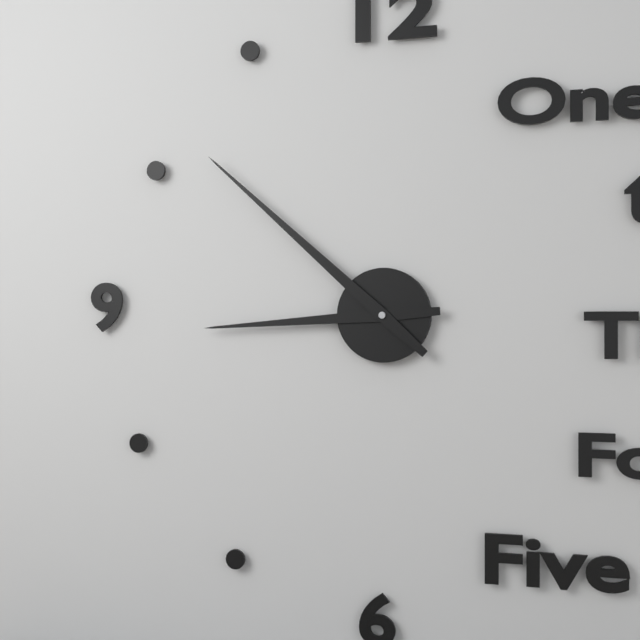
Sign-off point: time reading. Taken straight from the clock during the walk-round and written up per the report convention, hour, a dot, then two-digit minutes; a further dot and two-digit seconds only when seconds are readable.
8.52
